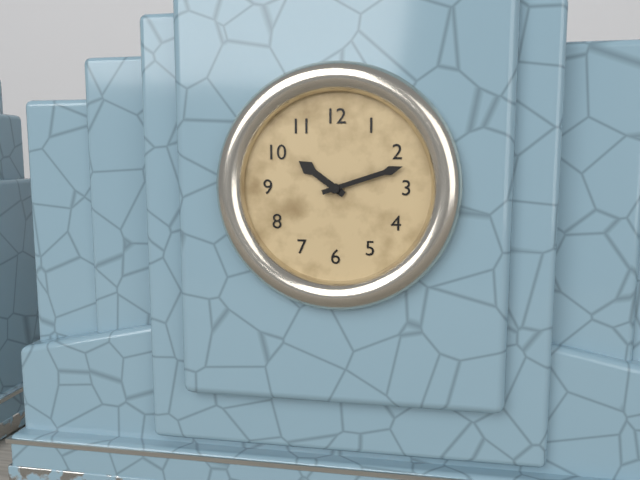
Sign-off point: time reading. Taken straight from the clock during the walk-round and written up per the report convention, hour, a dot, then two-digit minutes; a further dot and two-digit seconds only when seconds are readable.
10.12
